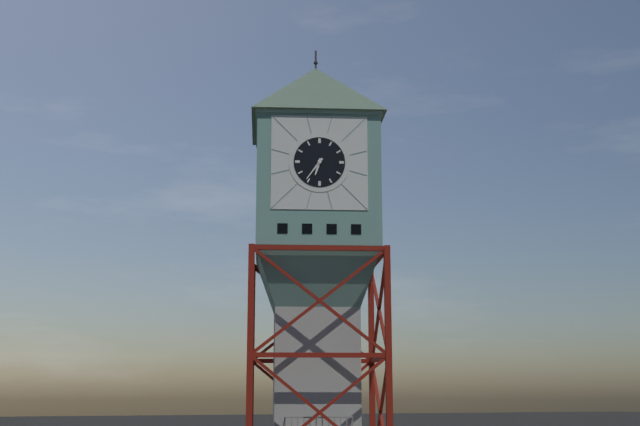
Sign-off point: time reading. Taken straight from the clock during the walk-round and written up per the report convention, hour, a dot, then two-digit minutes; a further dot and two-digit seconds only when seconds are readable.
6.36
